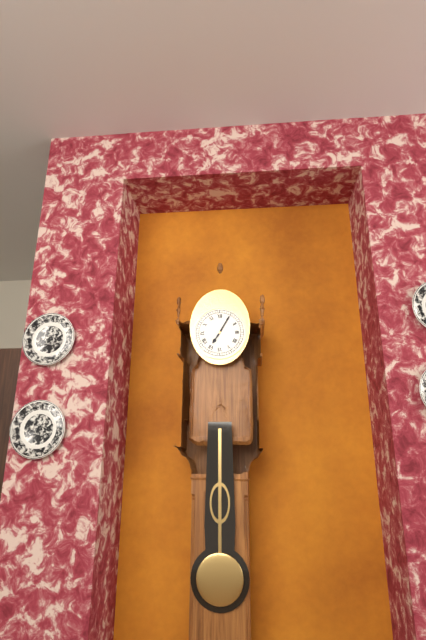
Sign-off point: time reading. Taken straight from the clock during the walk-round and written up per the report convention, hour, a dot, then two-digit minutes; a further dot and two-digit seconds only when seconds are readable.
7.05
